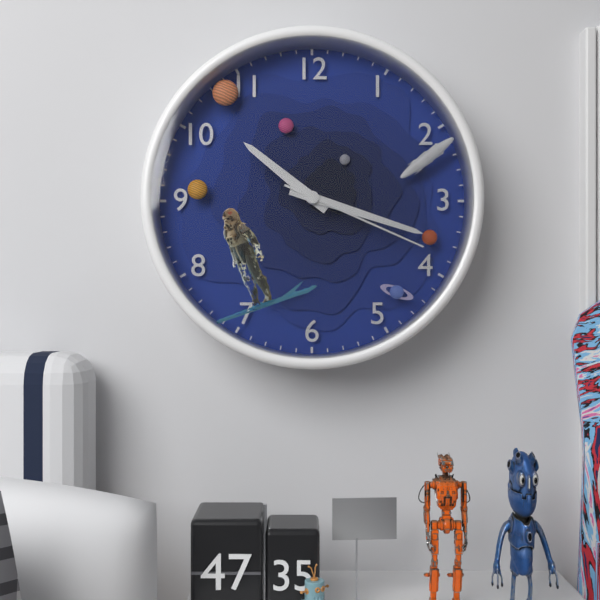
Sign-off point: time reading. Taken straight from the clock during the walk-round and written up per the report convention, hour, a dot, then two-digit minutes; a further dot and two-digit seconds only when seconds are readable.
10.18.19
